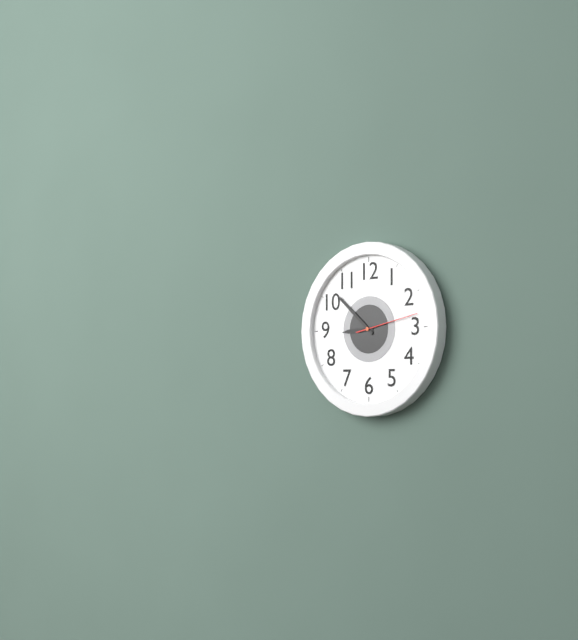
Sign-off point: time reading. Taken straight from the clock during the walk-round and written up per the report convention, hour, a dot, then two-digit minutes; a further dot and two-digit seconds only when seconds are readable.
8.52.13
